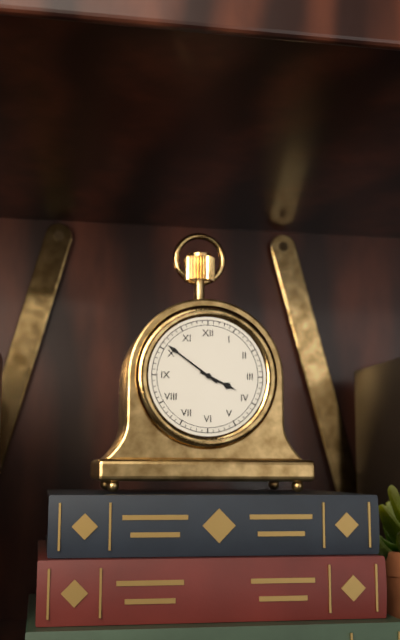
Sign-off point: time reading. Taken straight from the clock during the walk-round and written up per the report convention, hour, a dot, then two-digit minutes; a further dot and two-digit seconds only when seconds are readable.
3.51
